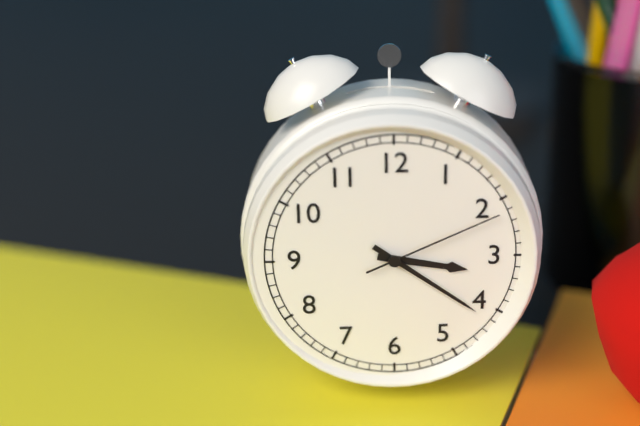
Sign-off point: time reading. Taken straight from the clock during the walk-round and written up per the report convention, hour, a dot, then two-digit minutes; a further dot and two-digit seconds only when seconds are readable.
3.21.11
